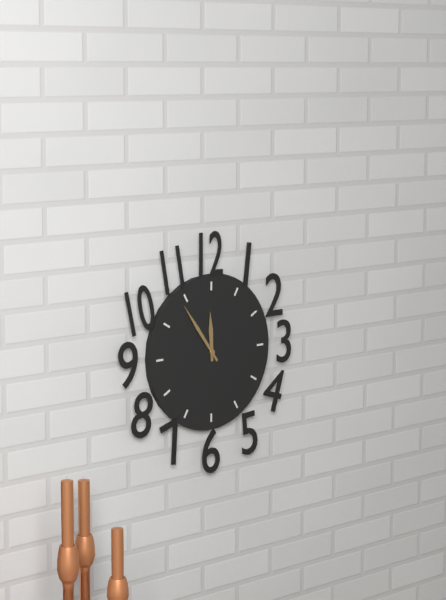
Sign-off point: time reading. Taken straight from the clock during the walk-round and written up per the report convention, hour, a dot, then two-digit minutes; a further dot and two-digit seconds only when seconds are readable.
11.54
